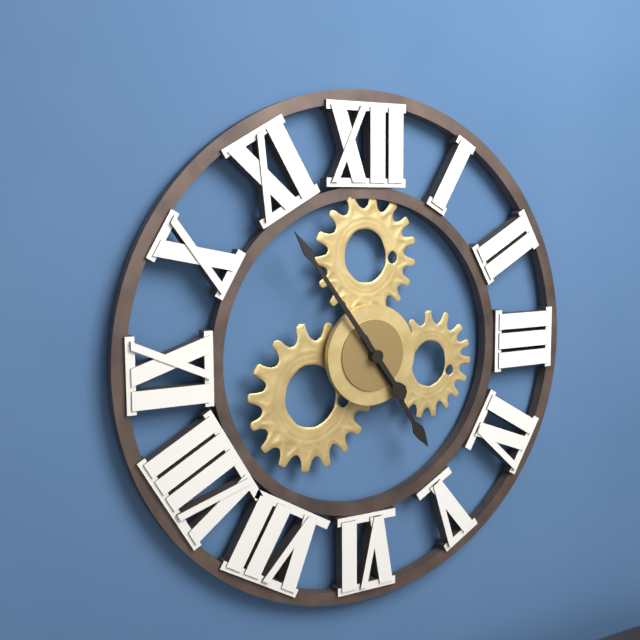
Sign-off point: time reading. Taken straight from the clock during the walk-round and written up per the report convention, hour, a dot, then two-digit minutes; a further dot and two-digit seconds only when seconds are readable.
4.54
